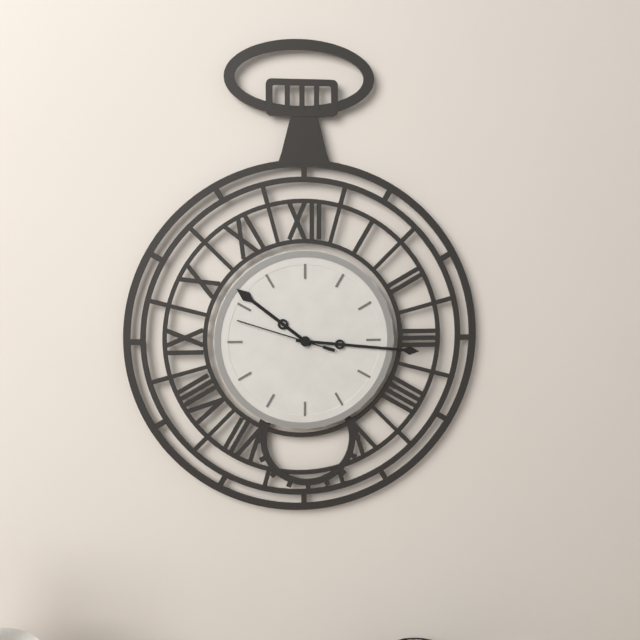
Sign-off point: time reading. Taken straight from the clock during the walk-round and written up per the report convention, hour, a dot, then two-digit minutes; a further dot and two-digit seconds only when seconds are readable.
10.16.48
